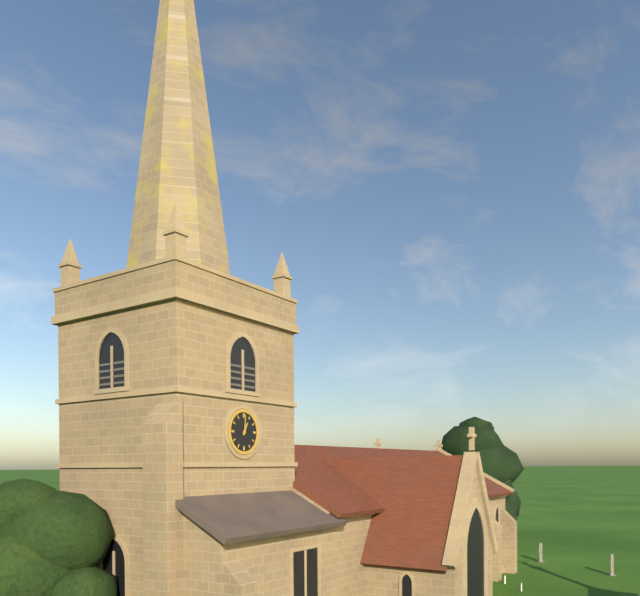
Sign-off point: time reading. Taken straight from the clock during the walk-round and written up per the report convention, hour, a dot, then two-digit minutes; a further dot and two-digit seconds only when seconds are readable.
1.01
